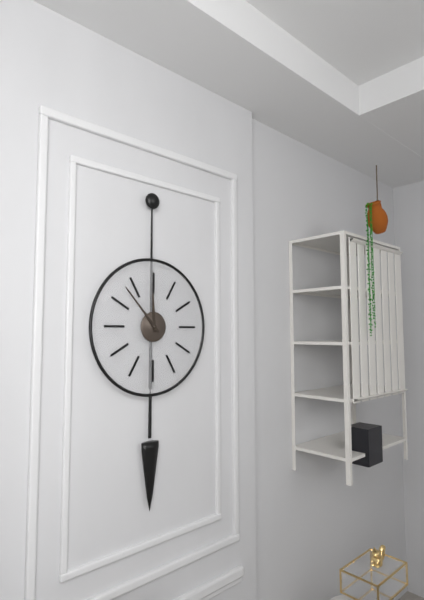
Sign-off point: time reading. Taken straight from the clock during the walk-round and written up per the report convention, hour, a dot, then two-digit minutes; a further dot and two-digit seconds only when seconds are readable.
11.53
